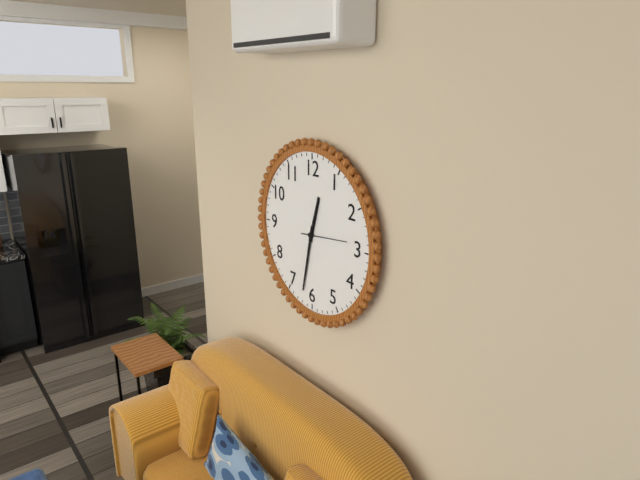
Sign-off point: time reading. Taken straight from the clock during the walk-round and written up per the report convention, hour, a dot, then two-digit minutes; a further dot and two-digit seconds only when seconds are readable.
12.32
